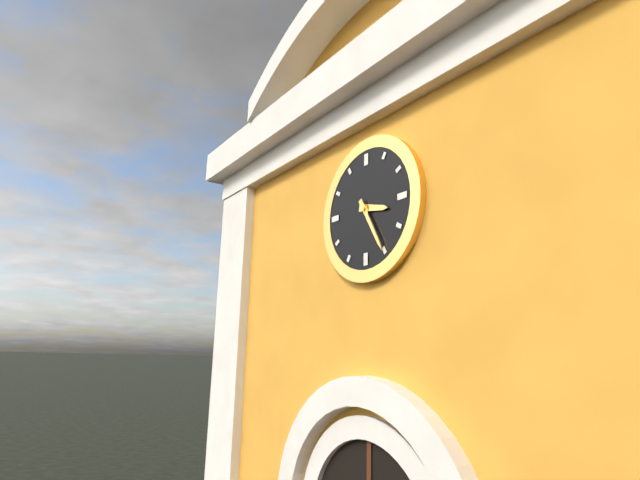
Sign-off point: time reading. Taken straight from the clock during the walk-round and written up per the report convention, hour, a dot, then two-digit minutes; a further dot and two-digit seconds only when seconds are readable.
3.25
